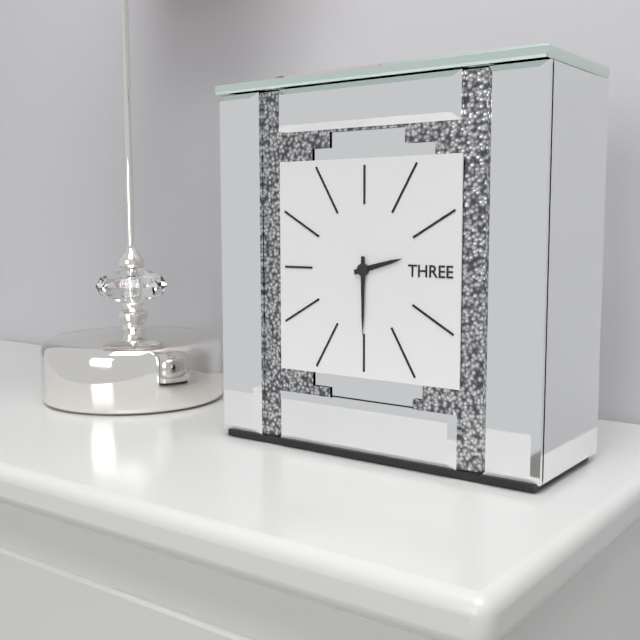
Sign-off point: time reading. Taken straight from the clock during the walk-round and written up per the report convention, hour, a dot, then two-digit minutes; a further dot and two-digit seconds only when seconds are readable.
2.30
